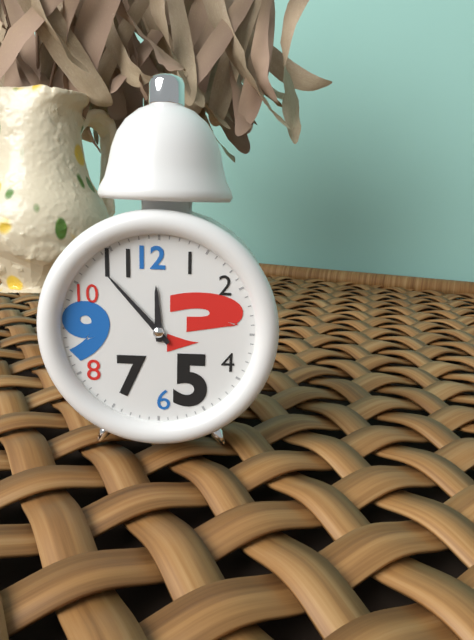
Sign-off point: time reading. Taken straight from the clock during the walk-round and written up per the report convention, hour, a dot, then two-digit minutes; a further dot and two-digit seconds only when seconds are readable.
11.53
